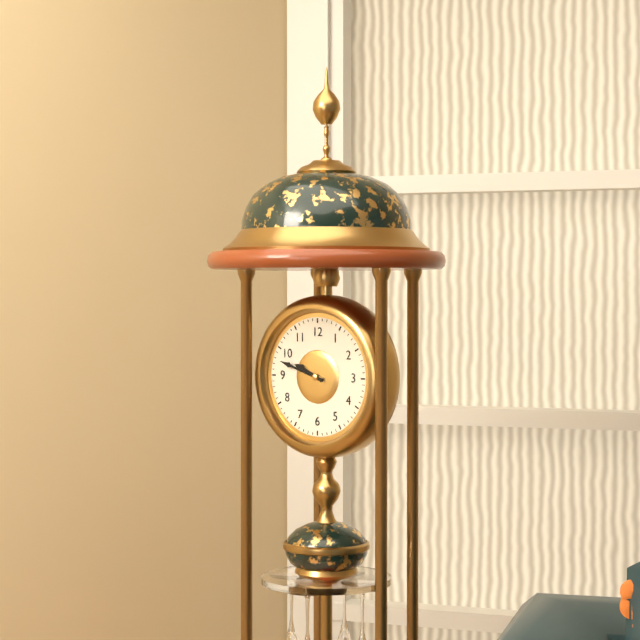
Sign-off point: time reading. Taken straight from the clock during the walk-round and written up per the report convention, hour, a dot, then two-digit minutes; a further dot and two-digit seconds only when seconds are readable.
9.48
